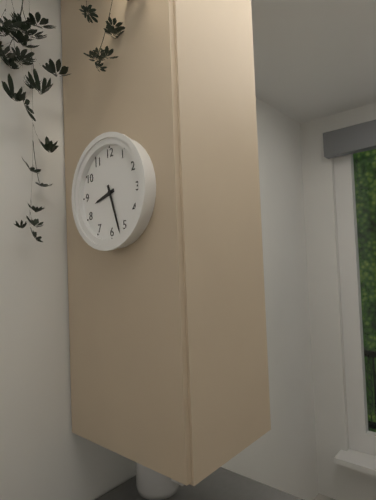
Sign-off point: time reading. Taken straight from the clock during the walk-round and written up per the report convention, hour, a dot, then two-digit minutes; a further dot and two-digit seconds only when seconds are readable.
8.27
